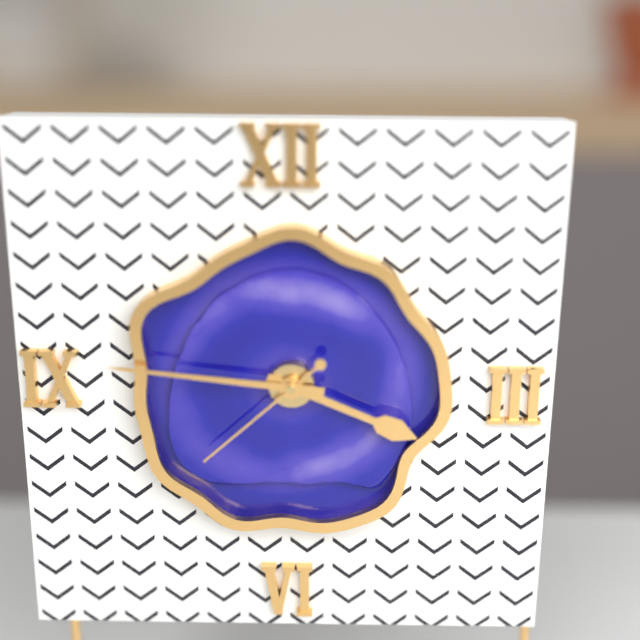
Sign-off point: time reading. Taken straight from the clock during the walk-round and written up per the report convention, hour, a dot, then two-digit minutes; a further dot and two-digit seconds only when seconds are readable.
3.46.38
